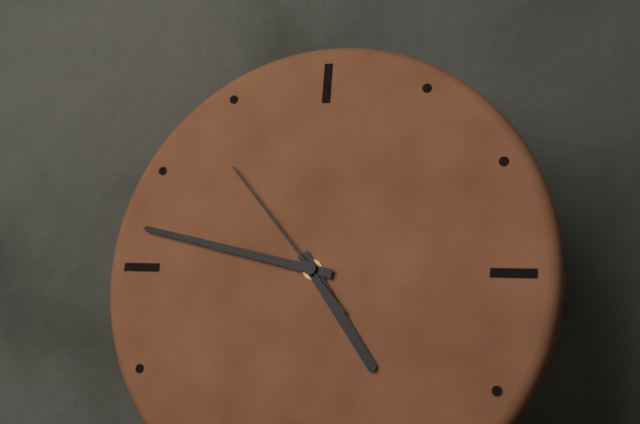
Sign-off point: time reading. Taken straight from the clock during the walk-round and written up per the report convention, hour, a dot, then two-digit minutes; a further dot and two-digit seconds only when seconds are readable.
4.47.53
